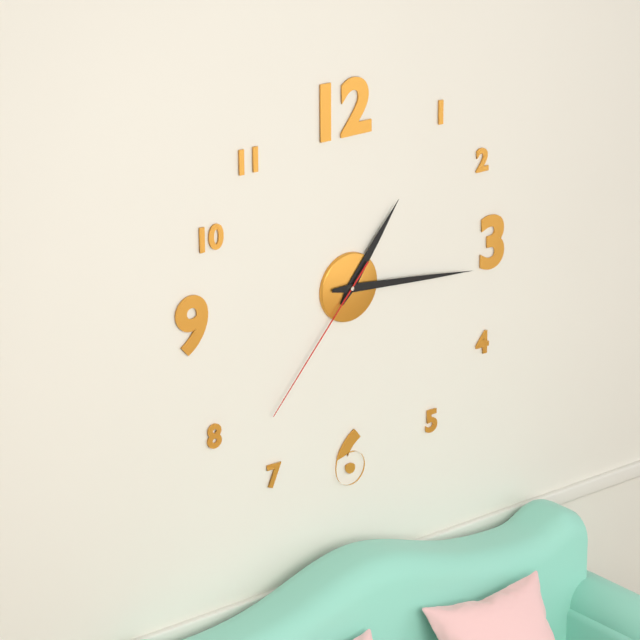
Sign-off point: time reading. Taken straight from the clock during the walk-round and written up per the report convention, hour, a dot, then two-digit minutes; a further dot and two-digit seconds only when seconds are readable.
1.16.37
